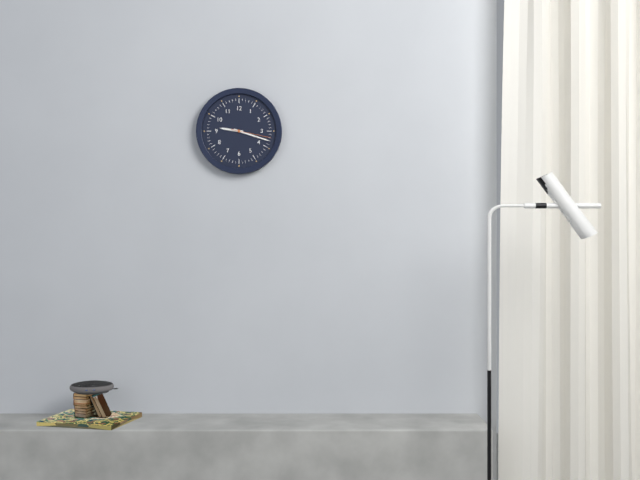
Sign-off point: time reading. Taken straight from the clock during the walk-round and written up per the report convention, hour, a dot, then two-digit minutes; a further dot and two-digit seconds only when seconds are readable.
9.18
